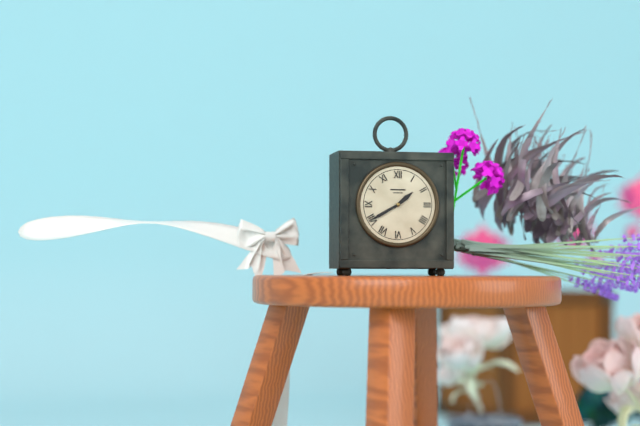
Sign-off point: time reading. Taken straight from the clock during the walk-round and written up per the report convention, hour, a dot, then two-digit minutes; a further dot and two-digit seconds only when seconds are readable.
1.40
